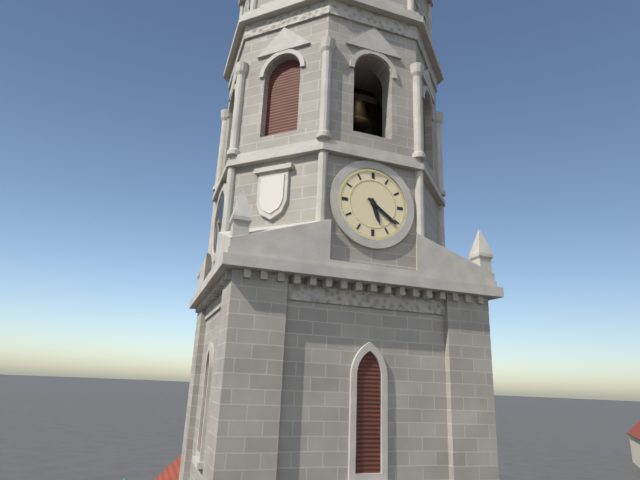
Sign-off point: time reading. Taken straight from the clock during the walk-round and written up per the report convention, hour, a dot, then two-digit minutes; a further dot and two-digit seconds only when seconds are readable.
5.21
